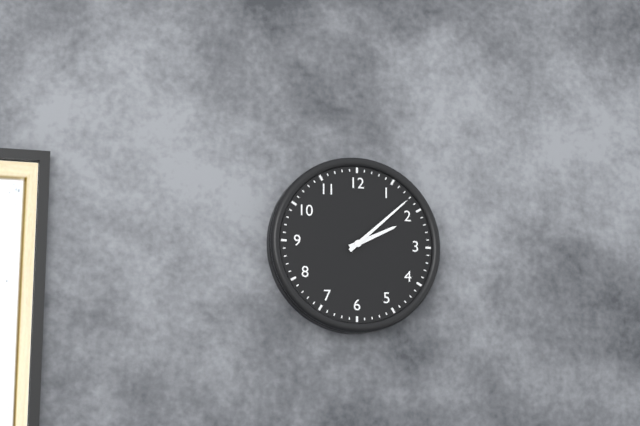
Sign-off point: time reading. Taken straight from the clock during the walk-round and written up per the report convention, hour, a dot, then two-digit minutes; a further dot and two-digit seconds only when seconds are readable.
2.08
